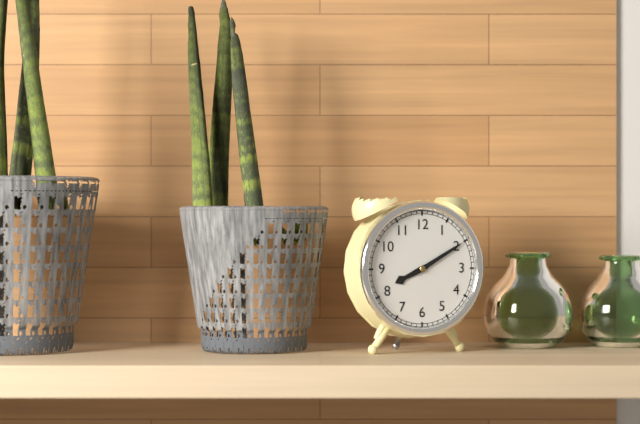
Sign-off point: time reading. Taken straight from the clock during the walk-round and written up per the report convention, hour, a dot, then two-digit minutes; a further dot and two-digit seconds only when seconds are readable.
8.10
